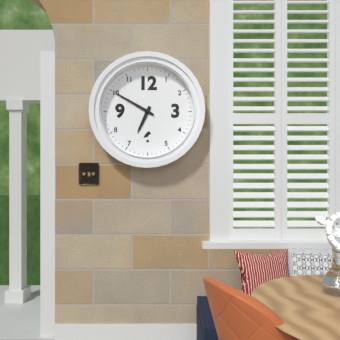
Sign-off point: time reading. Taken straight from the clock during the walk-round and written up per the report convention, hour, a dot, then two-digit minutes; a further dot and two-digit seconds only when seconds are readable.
6.50
